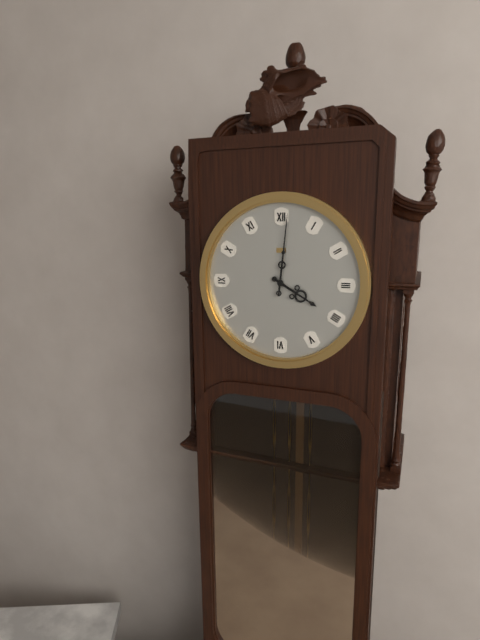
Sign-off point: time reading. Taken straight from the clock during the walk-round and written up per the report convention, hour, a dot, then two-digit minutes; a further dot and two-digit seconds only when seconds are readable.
4.01
